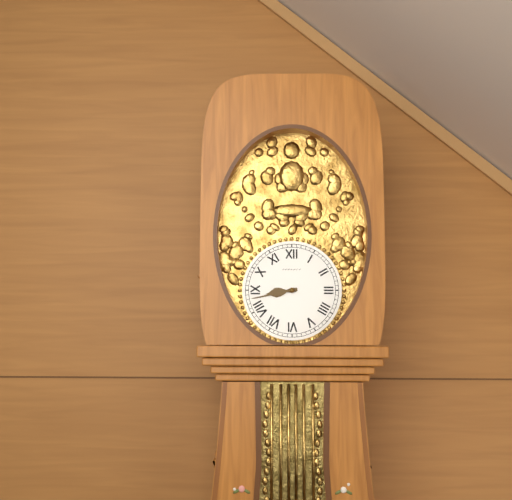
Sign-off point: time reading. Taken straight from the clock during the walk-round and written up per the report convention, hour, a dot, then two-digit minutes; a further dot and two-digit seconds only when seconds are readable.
8.43
